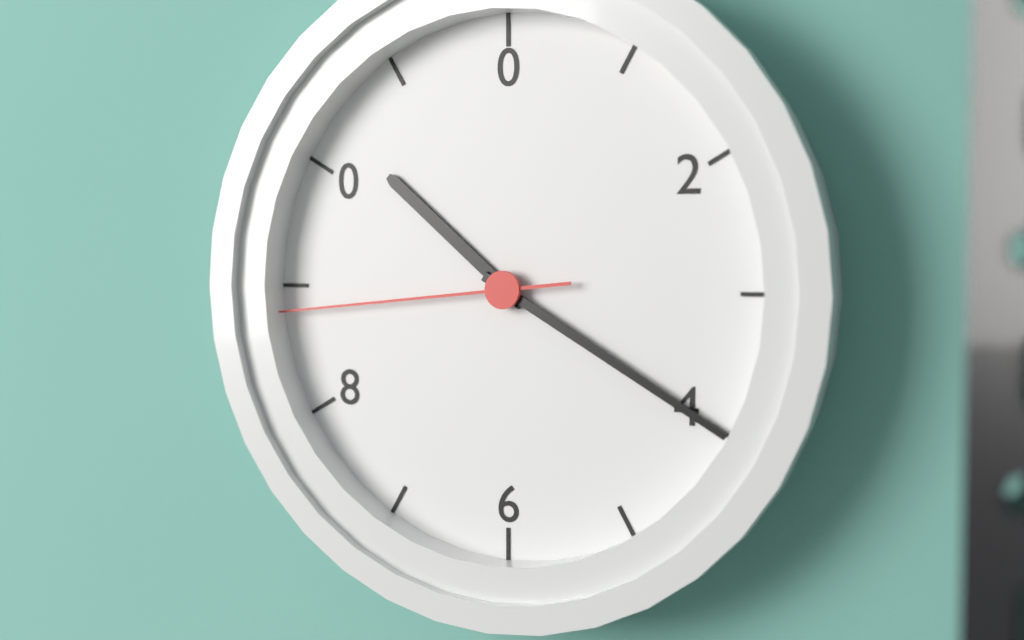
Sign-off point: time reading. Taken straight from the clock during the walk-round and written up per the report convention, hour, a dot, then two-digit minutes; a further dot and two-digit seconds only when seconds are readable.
10.20.44
